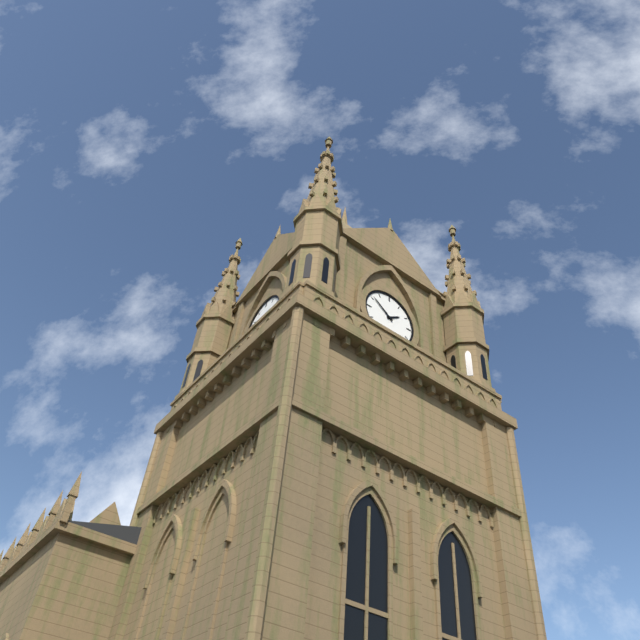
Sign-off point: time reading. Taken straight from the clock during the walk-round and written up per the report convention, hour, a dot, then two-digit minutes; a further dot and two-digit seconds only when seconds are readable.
1.51
